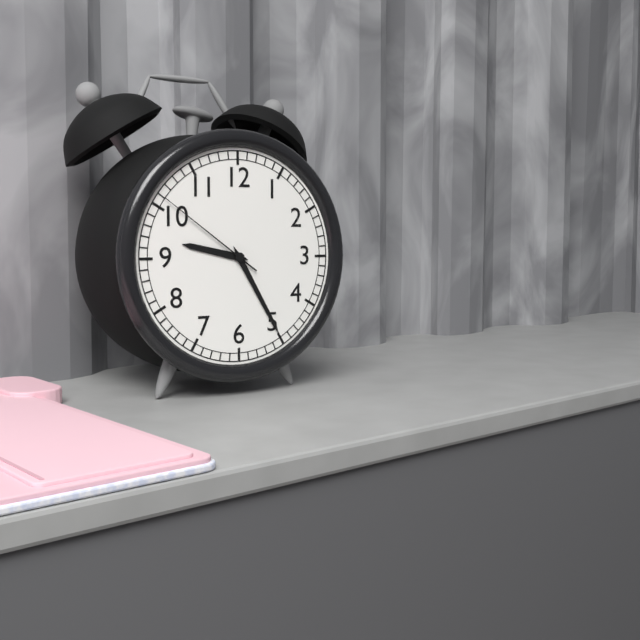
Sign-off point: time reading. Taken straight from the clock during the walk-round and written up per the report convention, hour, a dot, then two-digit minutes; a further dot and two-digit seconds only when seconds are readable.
9.25.51
